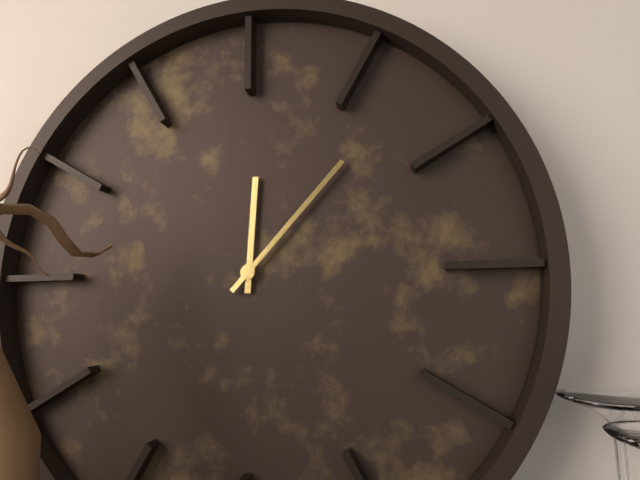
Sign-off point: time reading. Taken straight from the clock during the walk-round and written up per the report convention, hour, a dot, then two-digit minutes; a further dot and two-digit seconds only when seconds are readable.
12.07
